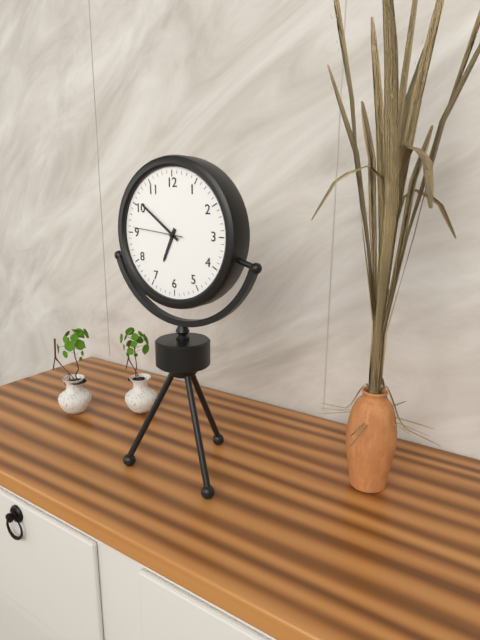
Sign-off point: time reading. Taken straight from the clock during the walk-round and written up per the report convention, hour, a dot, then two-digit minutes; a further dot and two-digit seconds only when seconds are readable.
6.51.46
